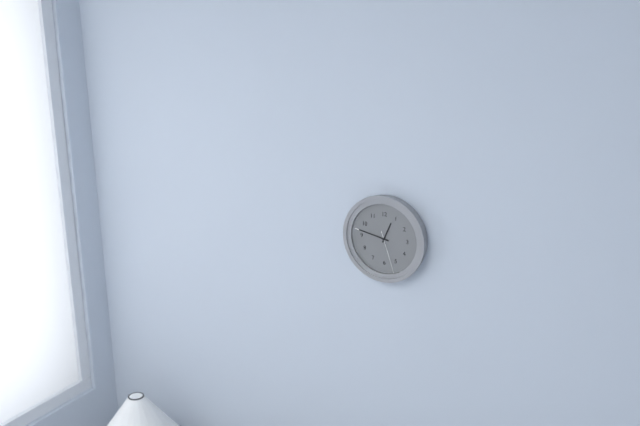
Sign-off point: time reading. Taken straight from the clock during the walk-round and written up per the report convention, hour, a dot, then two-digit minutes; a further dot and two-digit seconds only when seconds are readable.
12.47
